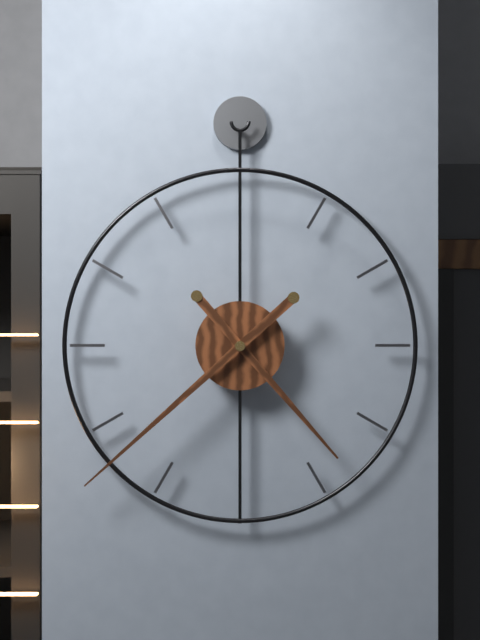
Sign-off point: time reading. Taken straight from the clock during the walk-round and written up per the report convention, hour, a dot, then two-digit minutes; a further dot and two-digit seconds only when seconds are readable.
4.38
